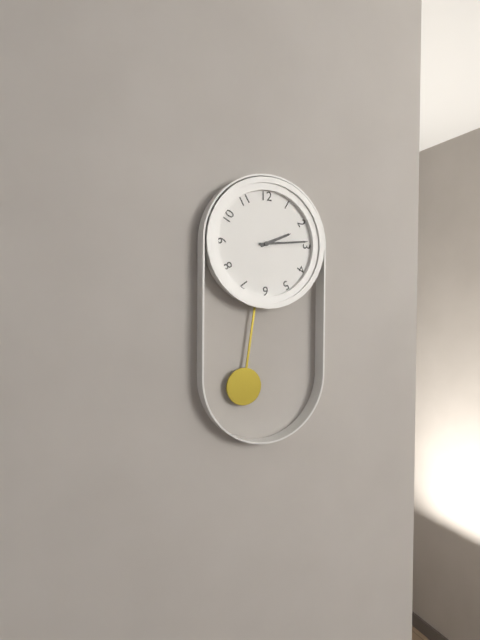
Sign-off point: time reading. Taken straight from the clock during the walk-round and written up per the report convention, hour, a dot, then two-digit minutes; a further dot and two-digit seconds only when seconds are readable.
2.14
